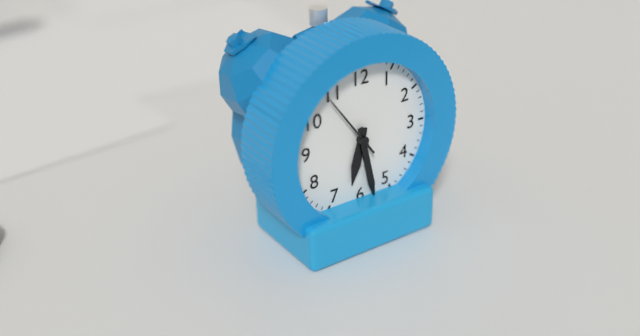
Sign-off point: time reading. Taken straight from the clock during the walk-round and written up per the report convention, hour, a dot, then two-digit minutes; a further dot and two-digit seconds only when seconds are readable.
6.28.54
